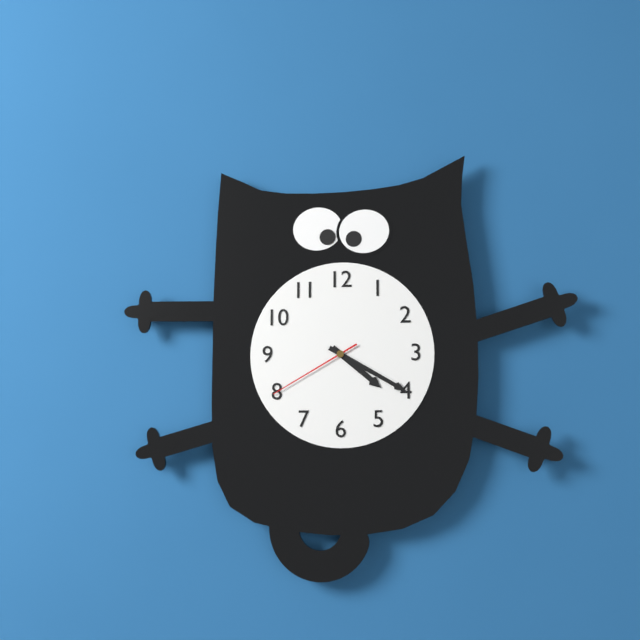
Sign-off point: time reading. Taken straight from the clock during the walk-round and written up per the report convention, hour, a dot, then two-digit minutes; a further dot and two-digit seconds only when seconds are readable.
4.20.40
